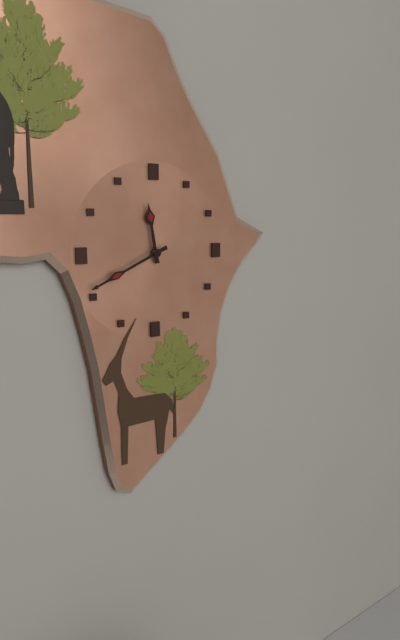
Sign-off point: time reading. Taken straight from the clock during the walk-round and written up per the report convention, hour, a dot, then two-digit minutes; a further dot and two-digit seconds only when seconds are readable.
11.41
